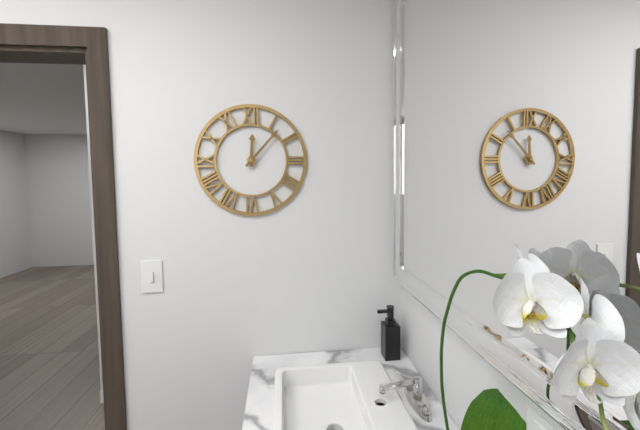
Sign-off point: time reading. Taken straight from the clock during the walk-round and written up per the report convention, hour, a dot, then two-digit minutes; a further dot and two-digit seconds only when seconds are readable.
12.07
